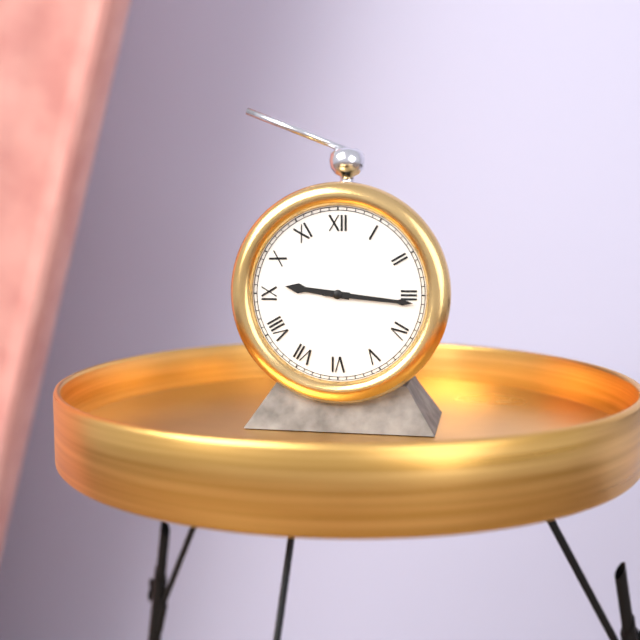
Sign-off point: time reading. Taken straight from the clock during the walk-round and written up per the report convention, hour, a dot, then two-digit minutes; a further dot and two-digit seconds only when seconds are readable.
9.16
